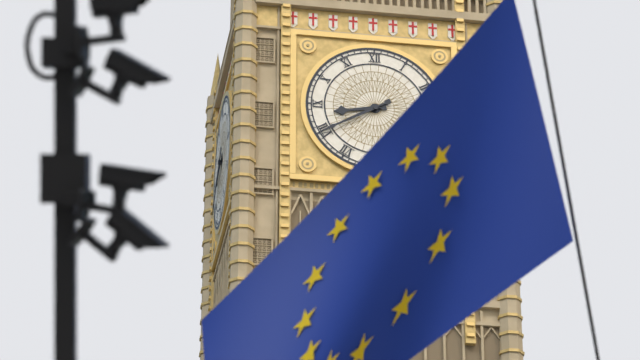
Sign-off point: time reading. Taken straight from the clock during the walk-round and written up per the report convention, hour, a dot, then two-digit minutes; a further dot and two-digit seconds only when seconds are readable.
8.40
